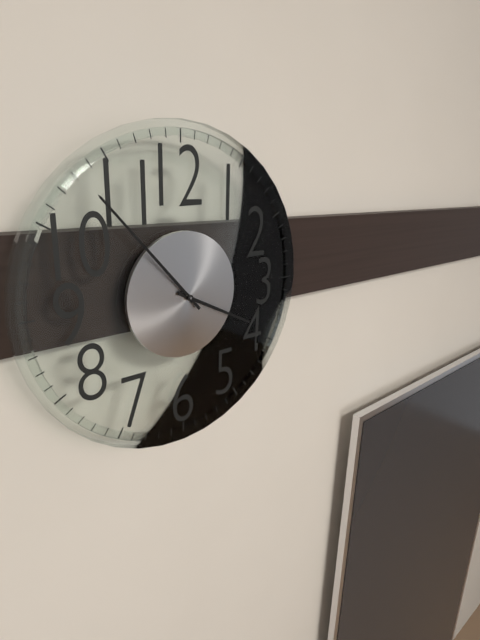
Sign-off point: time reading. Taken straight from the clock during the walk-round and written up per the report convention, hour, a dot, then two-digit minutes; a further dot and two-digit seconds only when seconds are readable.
3.53
